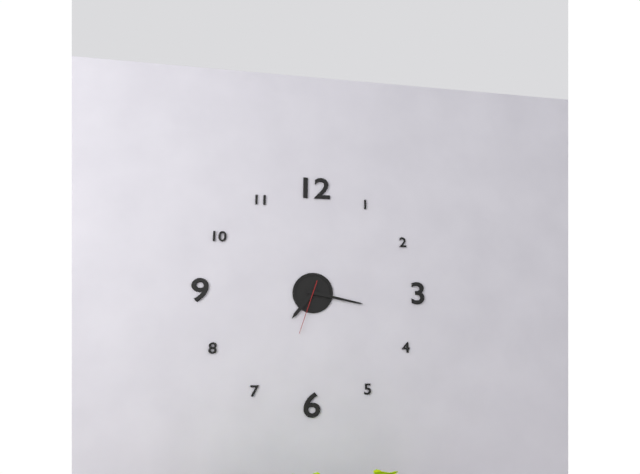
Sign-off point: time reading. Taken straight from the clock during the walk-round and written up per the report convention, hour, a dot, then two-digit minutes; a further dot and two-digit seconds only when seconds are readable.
7.17.33
